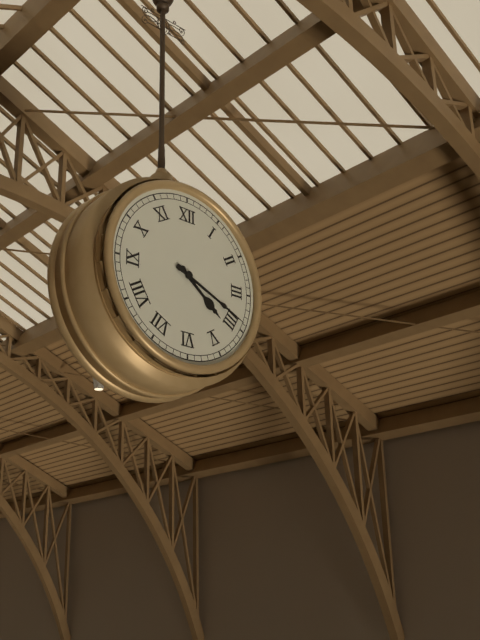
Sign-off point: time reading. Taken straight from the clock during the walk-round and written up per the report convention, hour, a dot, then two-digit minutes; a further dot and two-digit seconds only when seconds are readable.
4.19
